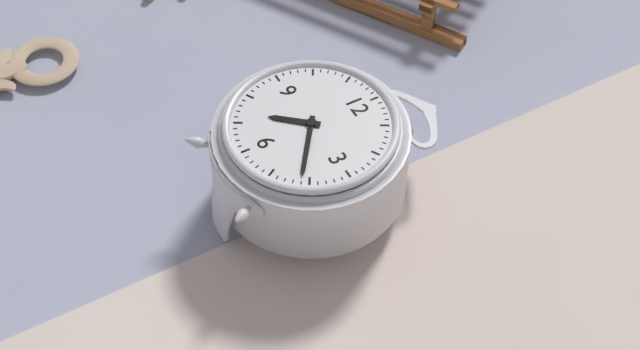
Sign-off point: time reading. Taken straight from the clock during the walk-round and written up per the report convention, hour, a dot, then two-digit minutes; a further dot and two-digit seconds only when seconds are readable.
7.21
